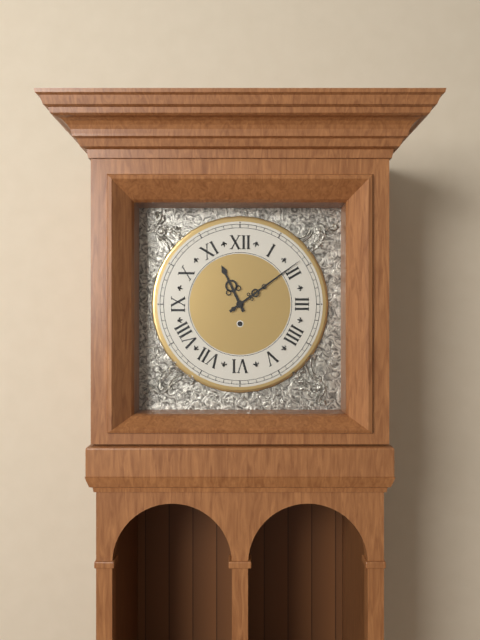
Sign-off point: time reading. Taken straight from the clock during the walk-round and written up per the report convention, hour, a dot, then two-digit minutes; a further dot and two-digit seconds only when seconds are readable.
11.09
